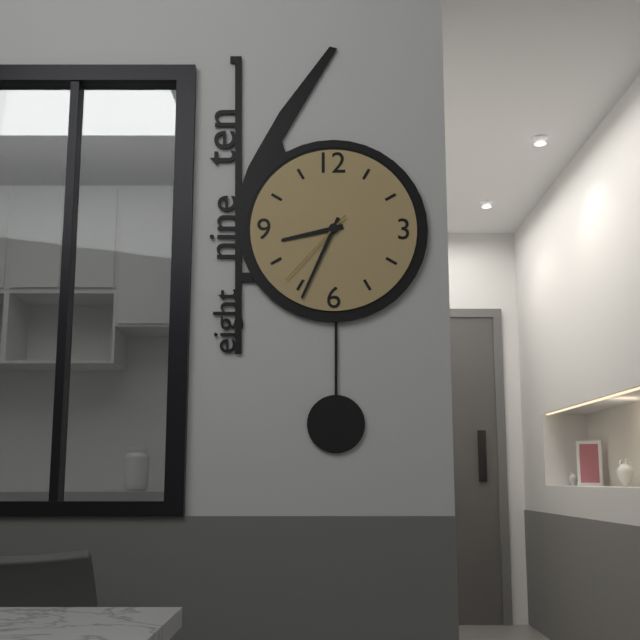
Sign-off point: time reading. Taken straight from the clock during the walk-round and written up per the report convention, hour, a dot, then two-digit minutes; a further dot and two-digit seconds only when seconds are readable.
8.34.37
